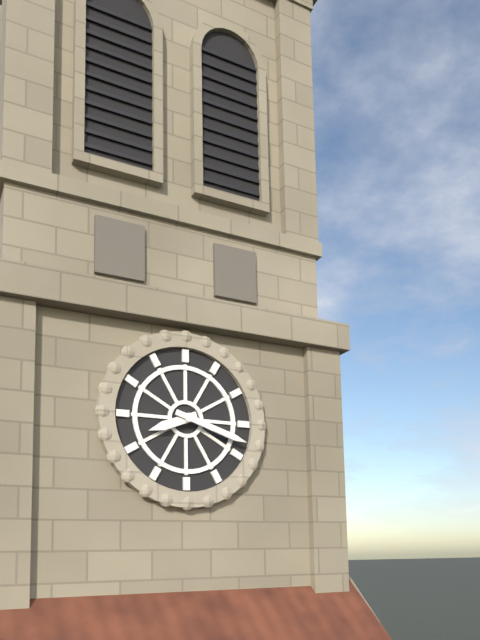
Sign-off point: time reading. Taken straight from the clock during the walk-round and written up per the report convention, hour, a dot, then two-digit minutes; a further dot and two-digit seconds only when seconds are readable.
8.18
